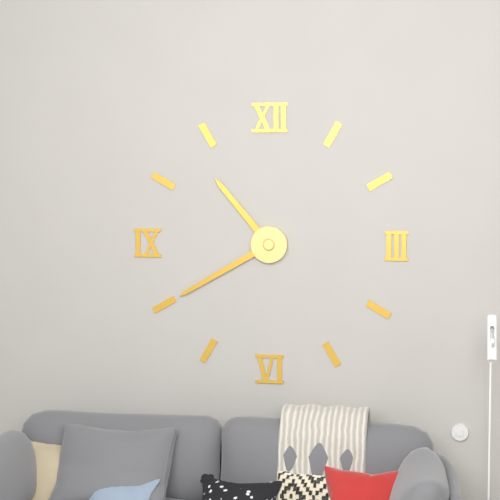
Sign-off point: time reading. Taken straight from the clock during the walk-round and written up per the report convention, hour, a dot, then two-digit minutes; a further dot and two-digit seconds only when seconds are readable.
10.40
